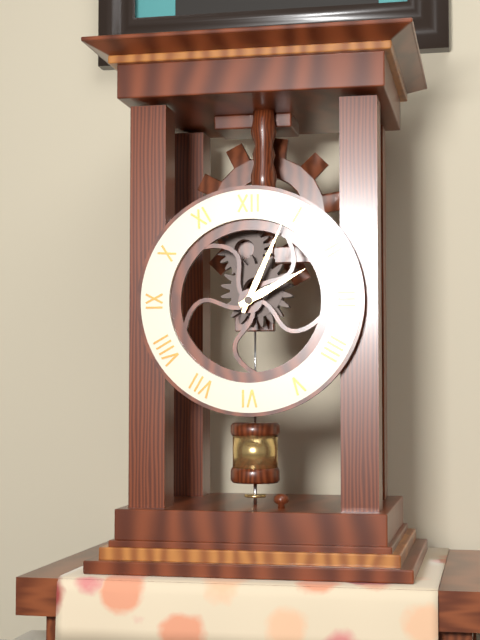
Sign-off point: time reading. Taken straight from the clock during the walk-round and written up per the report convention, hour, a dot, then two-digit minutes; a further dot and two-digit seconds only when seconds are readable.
2.04
